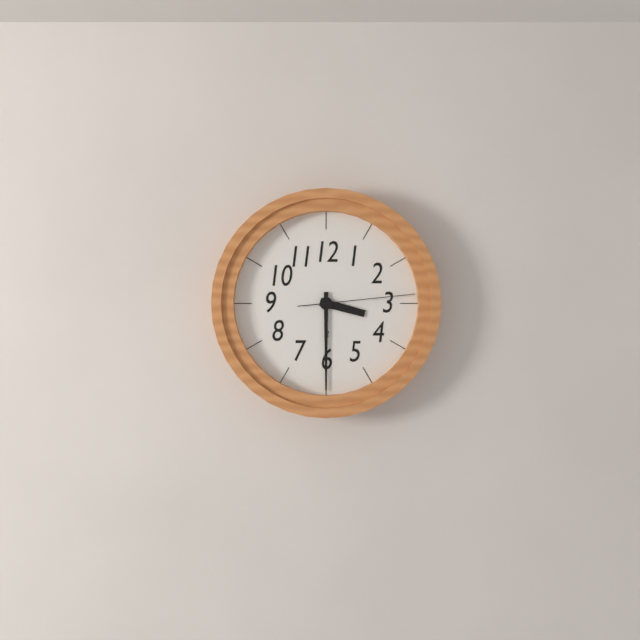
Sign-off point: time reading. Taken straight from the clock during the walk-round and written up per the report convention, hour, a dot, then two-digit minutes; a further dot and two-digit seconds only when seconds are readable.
3.30.14
